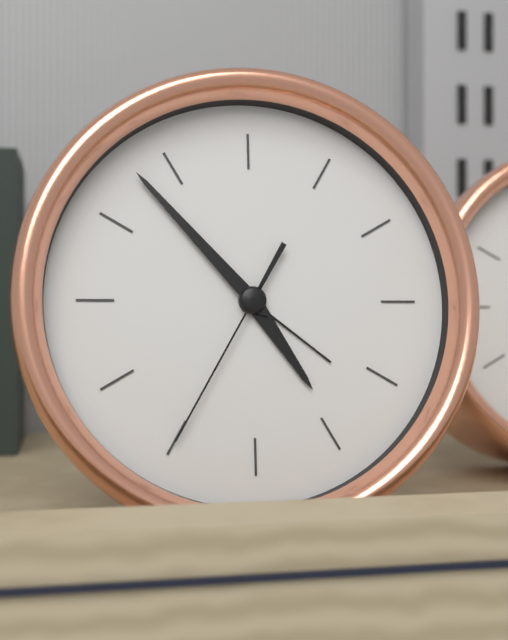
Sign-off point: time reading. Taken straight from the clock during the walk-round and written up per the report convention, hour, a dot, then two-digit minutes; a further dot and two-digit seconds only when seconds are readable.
4.53.35
